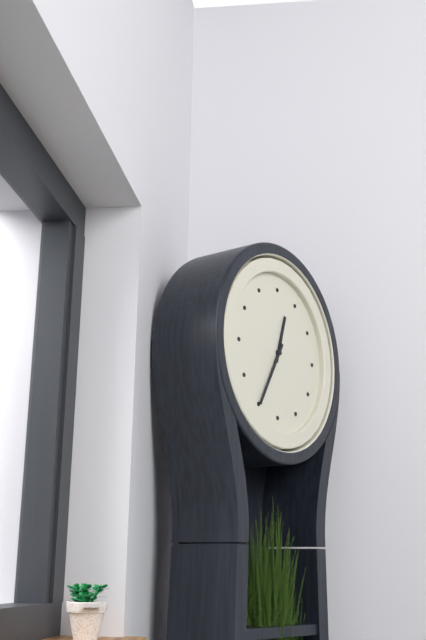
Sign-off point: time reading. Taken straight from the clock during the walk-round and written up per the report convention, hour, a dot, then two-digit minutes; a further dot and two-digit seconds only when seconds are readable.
12.35
